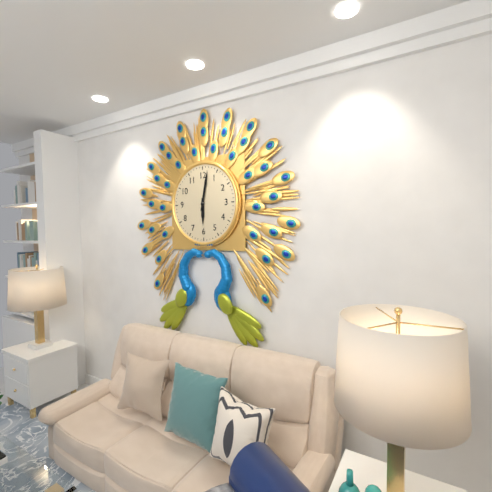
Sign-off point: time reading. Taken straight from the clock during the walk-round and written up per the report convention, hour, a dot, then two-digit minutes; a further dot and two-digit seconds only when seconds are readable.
6.02
